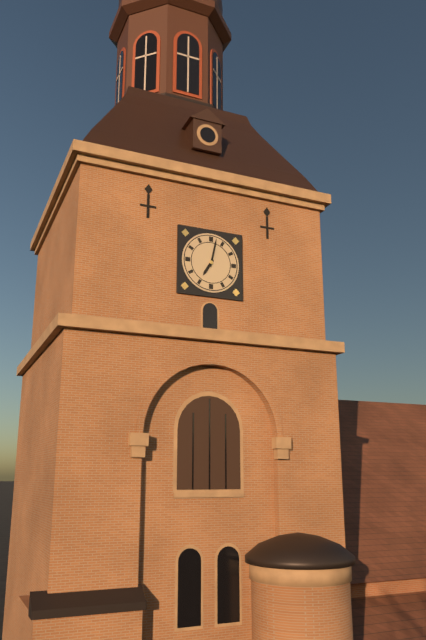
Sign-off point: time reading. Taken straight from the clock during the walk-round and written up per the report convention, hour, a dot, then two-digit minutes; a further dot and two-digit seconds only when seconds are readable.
7.02
